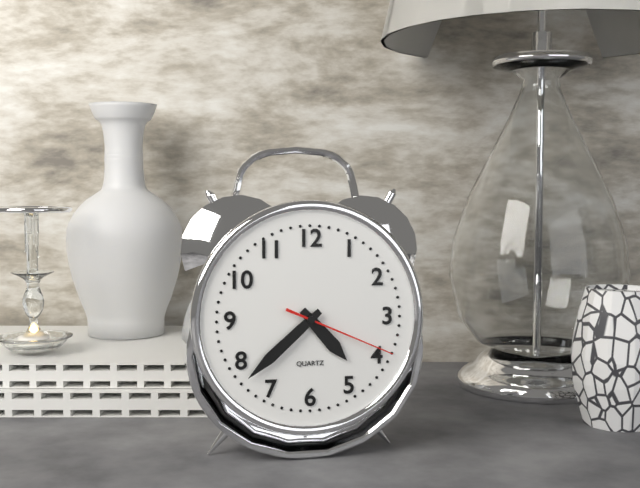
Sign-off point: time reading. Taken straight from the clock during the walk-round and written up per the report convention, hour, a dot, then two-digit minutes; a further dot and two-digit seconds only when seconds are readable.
4.38.19
